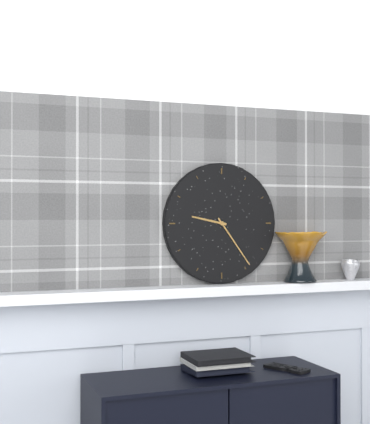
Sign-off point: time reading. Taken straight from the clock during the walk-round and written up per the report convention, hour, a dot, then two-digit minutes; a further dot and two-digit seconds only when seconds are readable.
9.24
